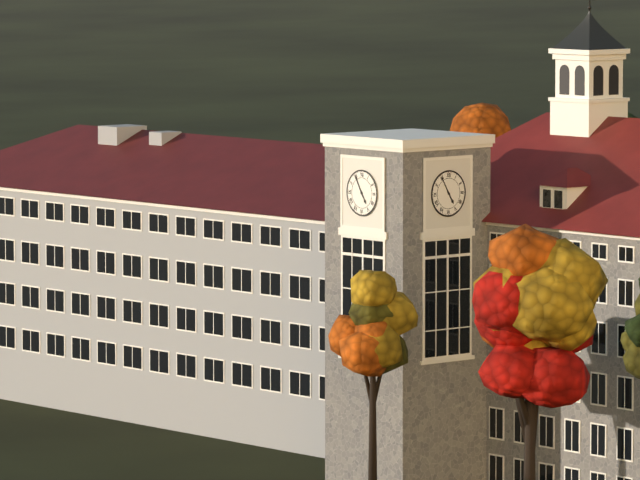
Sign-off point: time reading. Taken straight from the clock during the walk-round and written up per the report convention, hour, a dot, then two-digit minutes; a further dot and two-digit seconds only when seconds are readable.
4.55
